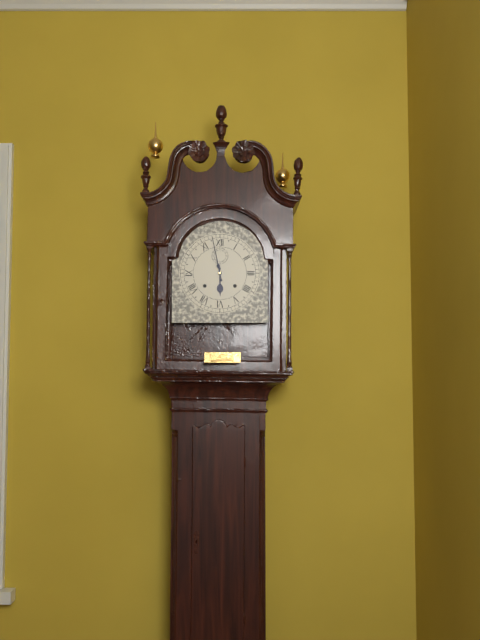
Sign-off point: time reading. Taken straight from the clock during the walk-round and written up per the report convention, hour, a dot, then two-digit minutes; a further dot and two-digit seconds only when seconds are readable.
5.58
